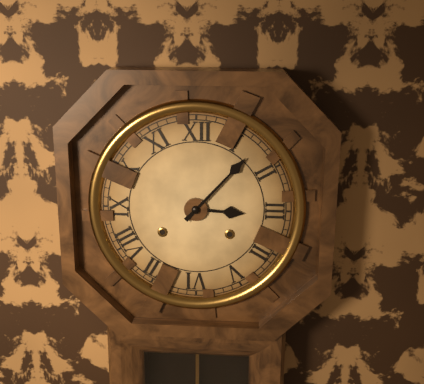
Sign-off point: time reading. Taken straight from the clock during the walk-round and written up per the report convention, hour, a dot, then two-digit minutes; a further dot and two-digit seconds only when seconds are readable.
3.07
